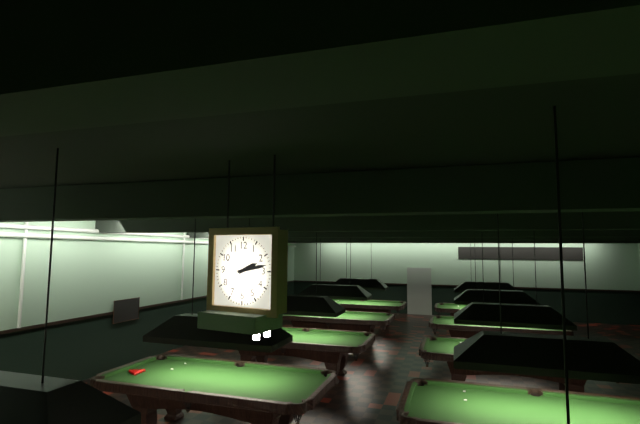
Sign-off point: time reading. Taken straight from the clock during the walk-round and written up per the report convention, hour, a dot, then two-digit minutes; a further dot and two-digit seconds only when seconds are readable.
2.13
